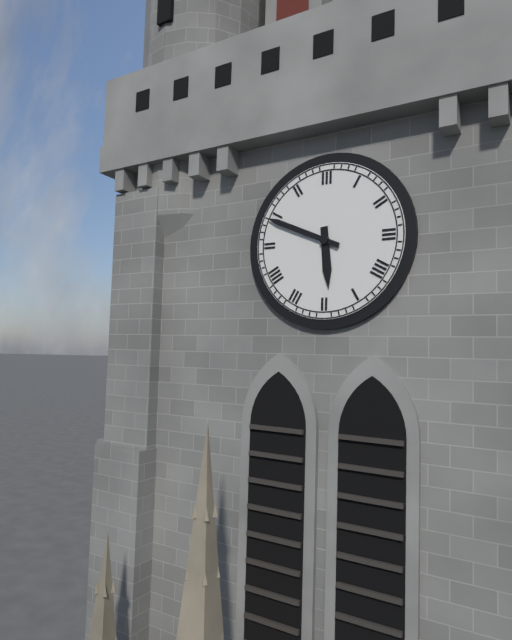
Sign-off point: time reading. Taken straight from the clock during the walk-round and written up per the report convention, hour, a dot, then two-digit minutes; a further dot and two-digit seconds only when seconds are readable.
5.49
